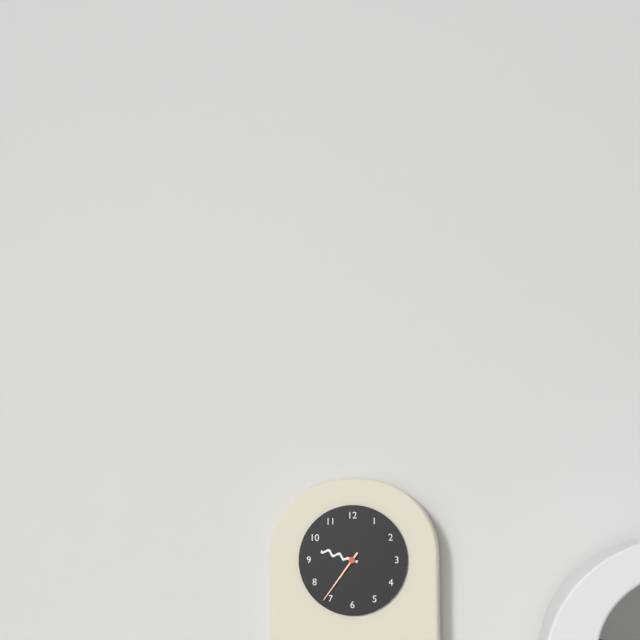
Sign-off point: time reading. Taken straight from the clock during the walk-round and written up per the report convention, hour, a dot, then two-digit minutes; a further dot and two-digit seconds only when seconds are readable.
9.36
